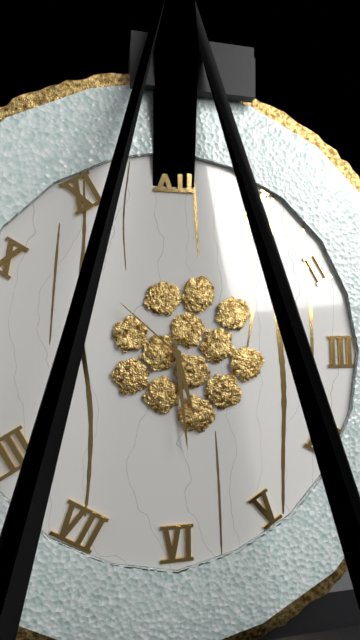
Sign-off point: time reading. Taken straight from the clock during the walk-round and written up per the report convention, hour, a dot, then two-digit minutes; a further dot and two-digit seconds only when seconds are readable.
5.29.52
